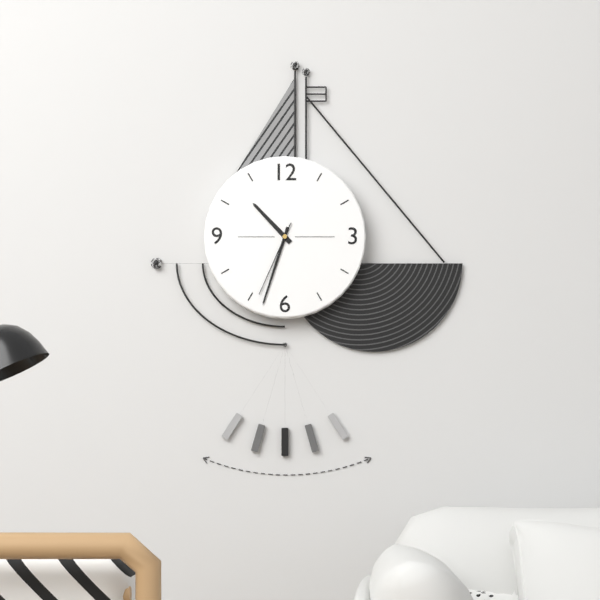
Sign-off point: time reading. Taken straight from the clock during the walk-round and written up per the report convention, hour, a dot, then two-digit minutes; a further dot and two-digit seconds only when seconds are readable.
10.33.34
